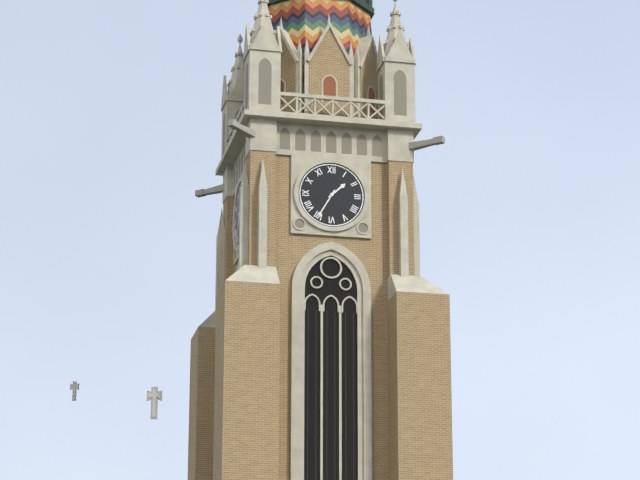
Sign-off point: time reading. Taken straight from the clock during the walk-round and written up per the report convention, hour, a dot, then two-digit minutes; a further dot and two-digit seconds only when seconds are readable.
1.35
